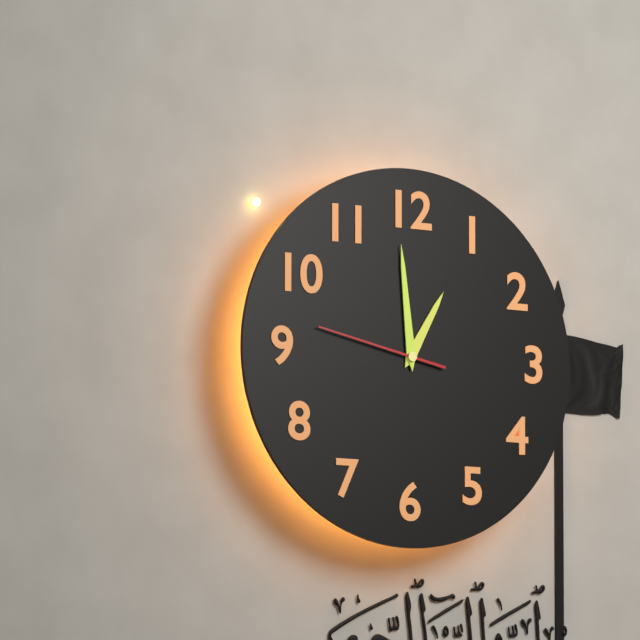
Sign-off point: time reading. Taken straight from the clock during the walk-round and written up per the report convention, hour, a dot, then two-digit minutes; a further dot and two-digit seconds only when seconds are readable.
12.59.47
